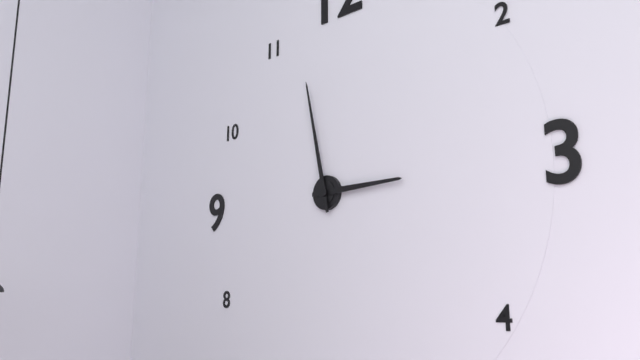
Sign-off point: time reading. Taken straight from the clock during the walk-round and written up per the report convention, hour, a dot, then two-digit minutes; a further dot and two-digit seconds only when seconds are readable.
2.58
